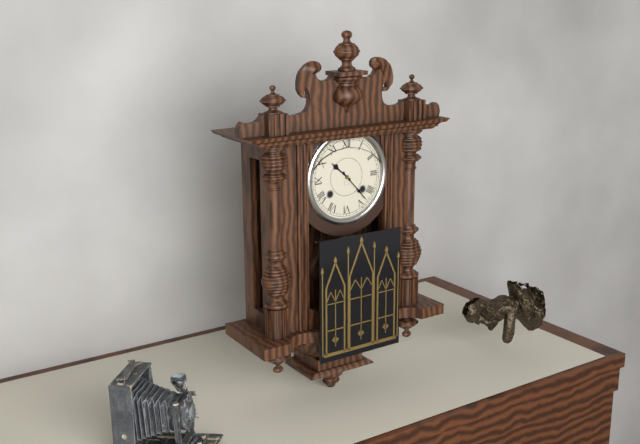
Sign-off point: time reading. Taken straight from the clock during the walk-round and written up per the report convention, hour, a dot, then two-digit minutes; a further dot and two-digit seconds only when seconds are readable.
10.23
